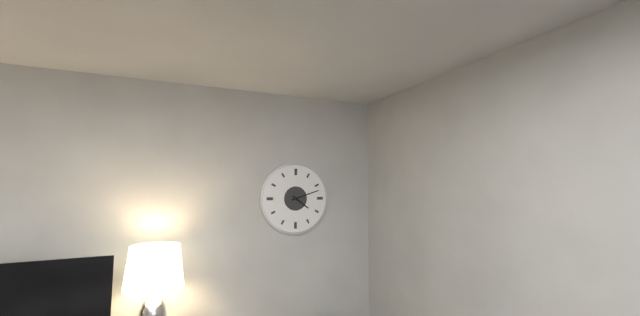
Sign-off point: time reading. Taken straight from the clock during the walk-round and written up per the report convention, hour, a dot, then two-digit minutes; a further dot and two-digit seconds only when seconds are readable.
4.12
